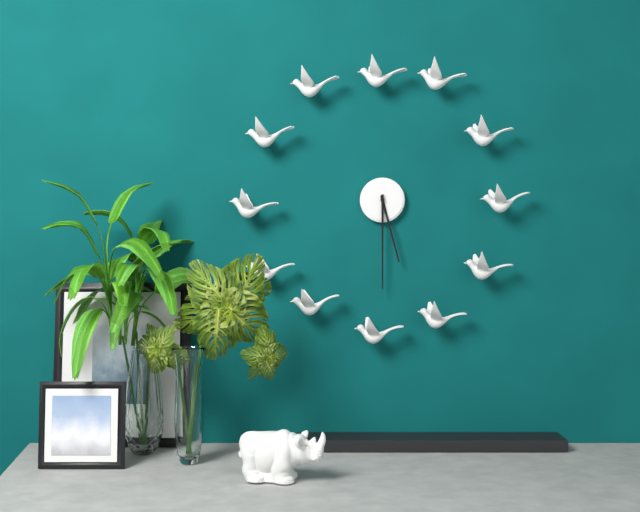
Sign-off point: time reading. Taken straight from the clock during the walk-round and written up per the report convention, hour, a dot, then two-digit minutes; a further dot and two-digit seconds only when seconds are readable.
5.30
